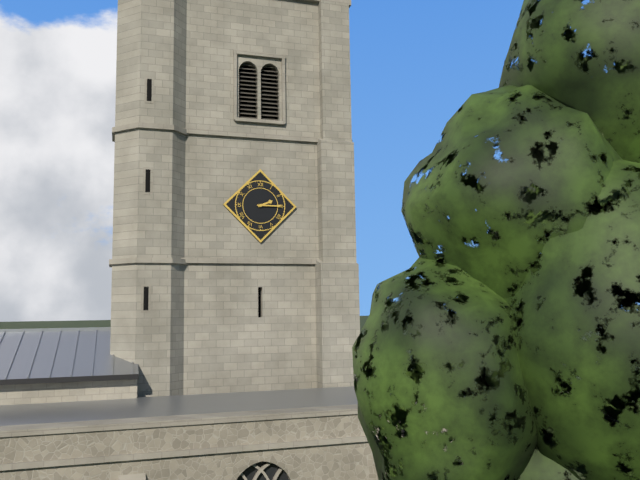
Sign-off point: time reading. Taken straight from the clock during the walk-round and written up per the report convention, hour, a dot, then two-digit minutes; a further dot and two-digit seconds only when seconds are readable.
2.15
